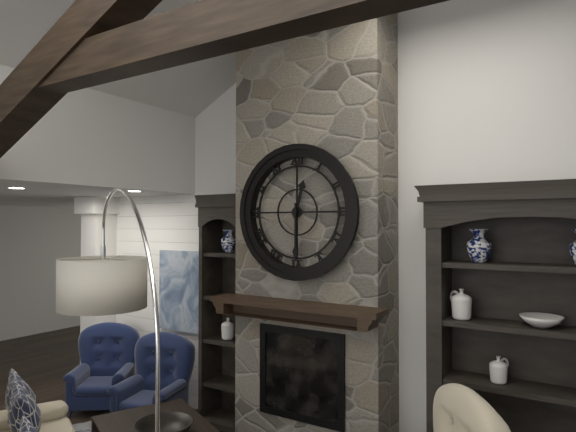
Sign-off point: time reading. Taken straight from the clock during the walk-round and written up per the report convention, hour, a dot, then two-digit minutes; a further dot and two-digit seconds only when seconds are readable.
12.30
